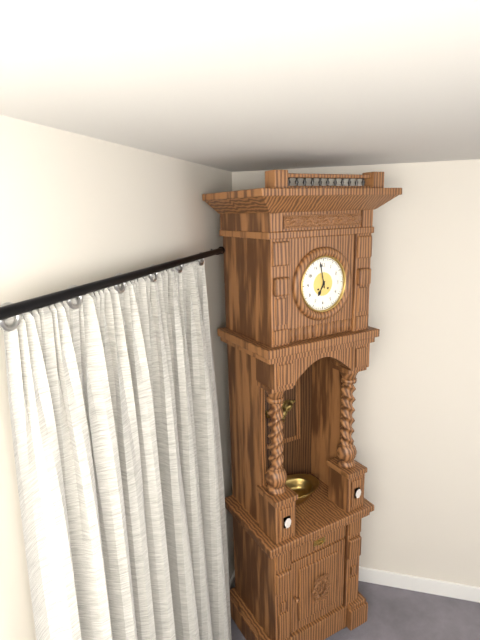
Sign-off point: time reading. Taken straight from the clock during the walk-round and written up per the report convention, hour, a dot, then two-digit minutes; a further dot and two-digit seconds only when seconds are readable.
6.58
